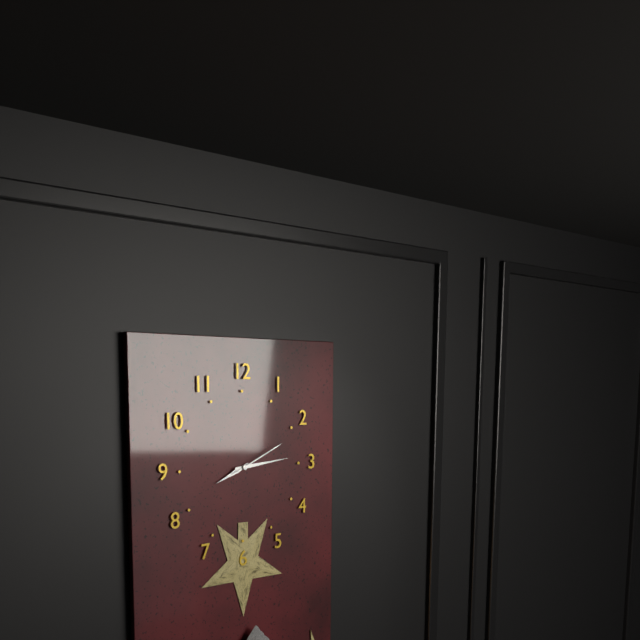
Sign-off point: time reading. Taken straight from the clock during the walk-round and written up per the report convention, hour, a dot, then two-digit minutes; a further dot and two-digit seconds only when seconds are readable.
8.14.11
